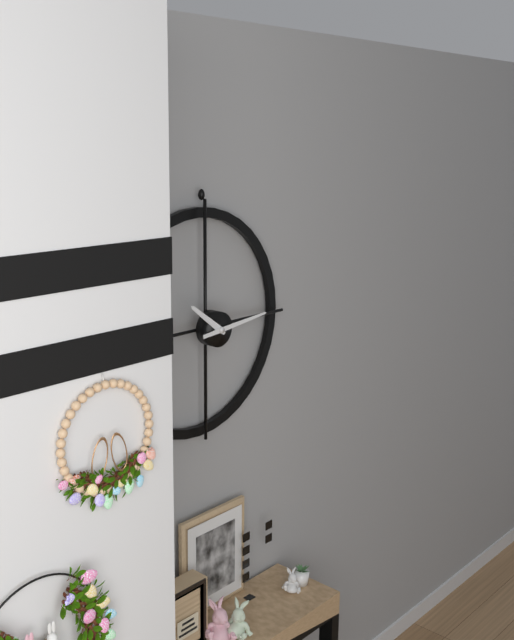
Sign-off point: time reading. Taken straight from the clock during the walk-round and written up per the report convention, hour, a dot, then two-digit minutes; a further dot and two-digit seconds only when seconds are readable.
10.14
